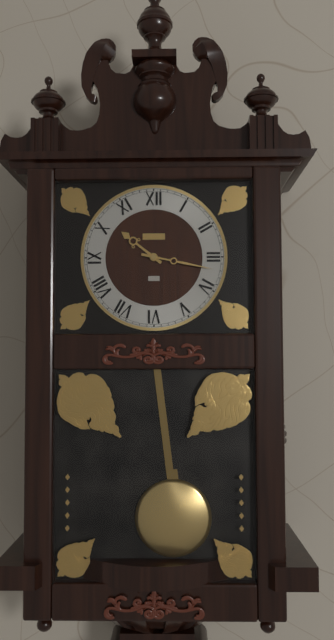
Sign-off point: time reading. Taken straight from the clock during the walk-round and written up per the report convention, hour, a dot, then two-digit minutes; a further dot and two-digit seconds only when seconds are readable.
10.17
